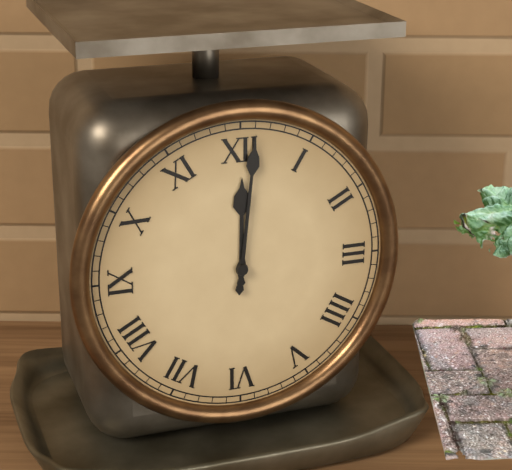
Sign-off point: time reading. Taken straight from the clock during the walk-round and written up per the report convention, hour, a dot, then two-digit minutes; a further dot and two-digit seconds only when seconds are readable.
12.01
